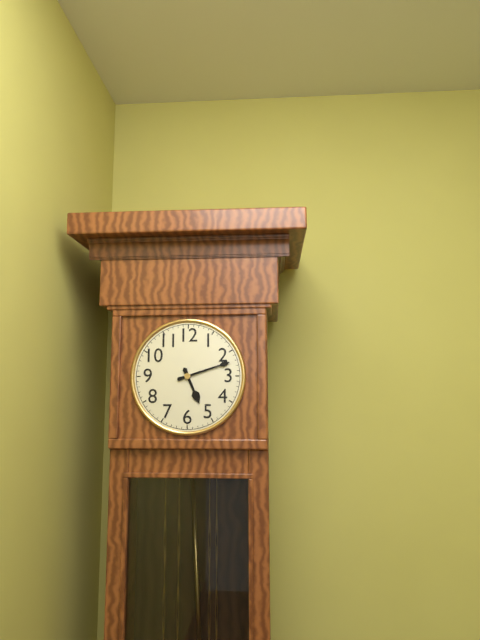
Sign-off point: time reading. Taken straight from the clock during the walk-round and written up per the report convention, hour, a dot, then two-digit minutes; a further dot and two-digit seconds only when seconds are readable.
5.12
